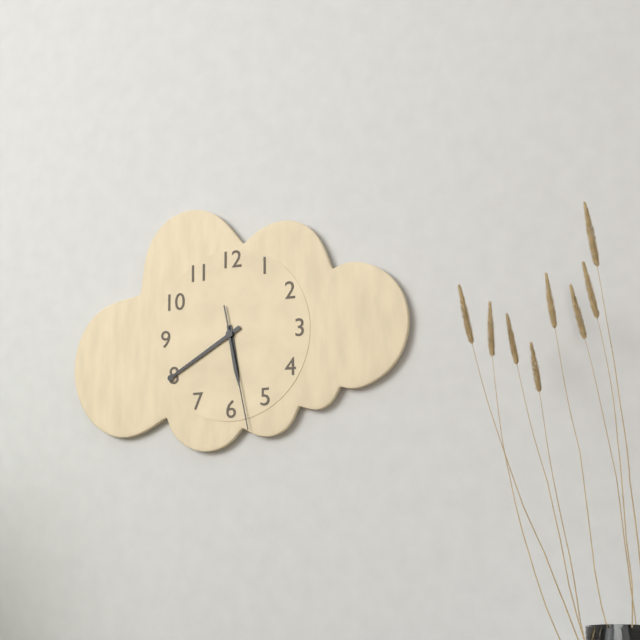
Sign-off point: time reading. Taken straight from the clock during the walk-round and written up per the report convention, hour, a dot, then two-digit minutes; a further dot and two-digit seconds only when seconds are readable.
5.40.28
